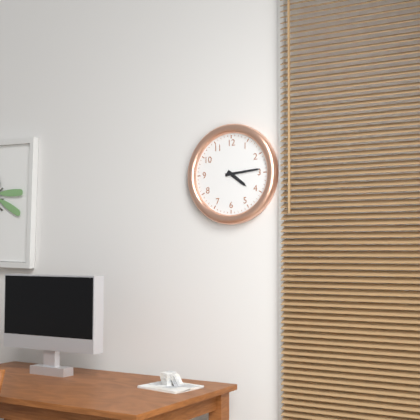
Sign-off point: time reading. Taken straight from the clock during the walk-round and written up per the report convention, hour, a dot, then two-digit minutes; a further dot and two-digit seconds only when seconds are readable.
4.14
